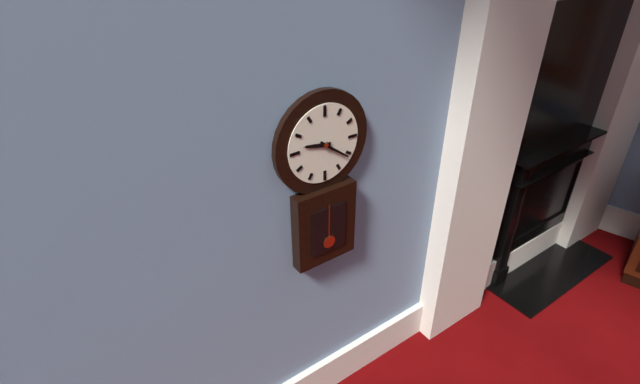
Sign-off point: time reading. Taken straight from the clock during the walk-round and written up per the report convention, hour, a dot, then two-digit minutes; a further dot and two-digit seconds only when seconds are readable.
9.21
